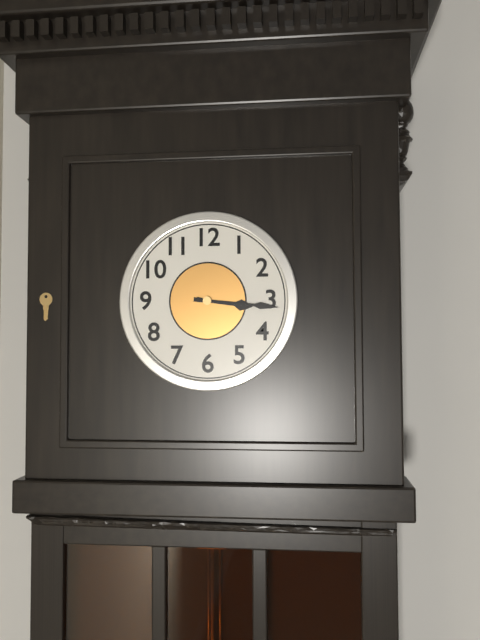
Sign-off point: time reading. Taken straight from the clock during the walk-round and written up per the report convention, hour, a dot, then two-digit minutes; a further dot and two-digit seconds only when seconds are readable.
3.16
